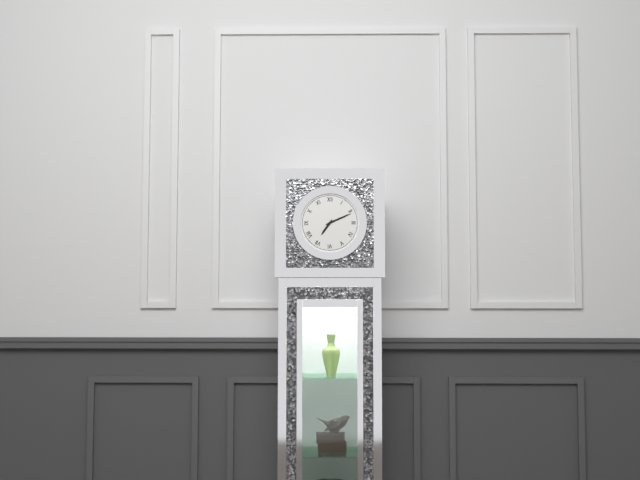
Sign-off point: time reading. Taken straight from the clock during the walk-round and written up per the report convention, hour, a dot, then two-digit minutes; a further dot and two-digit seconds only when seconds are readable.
7.11
